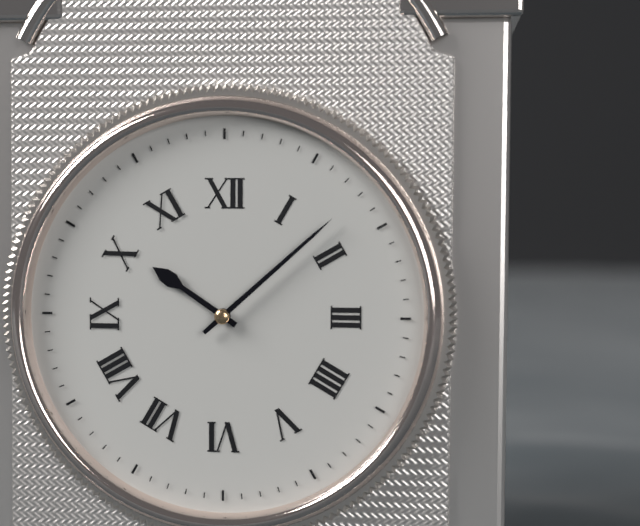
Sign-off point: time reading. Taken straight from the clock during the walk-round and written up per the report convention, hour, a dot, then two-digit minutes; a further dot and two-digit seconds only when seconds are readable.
10.08
